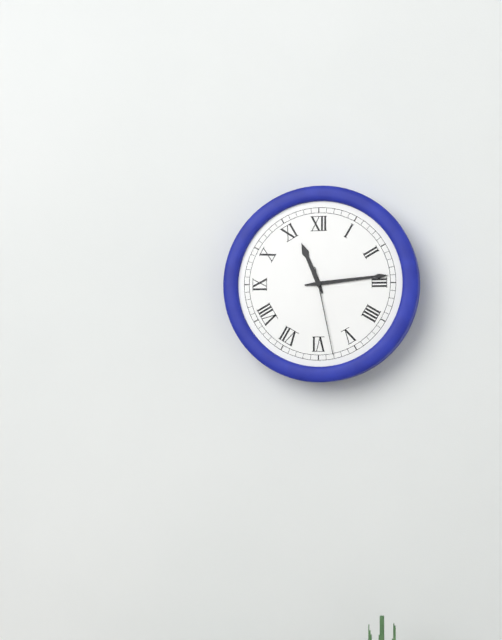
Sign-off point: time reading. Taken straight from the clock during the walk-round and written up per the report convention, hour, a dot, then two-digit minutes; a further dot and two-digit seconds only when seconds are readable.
11.14.28
